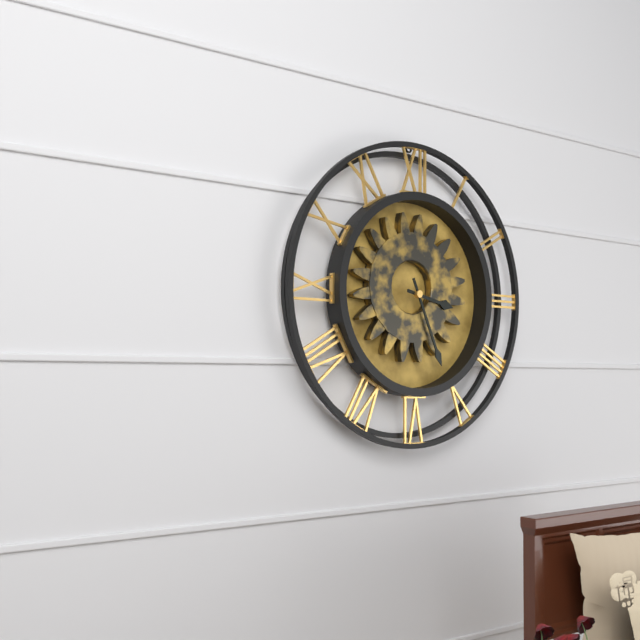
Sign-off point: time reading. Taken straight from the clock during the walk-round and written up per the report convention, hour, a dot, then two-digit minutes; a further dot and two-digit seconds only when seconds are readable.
3.26
